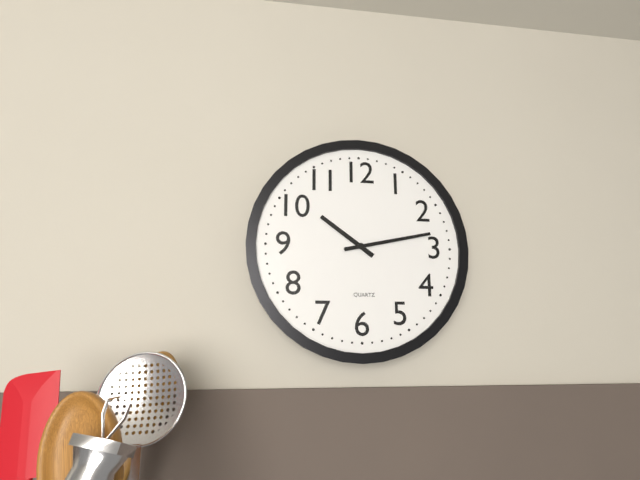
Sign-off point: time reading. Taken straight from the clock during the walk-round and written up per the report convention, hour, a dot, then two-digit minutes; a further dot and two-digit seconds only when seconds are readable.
10.13.13
